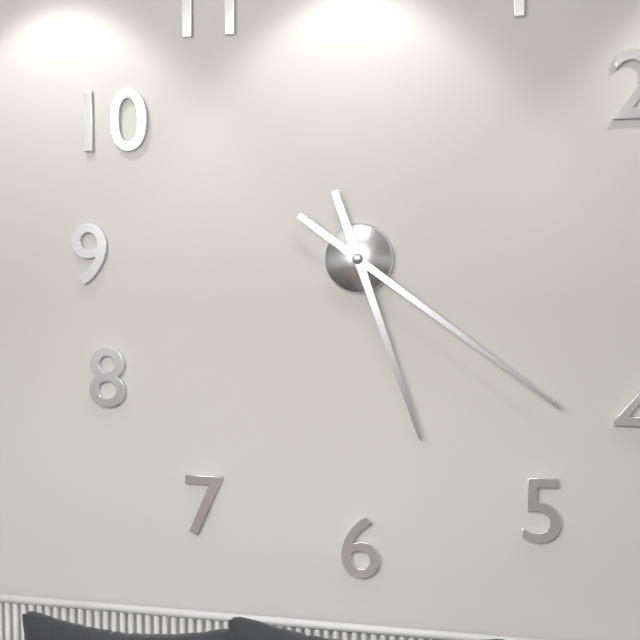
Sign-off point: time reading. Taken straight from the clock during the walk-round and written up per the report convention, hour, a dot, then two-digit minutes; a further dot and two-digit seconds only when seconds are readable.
5.21
